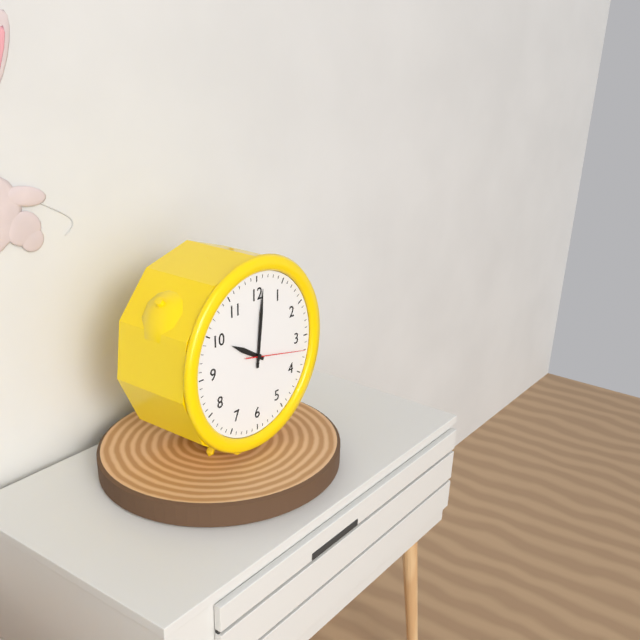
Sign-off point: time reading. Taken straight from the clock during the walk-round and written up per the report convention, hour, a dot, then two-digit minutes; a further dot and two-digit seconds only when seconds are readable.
10.01.17
